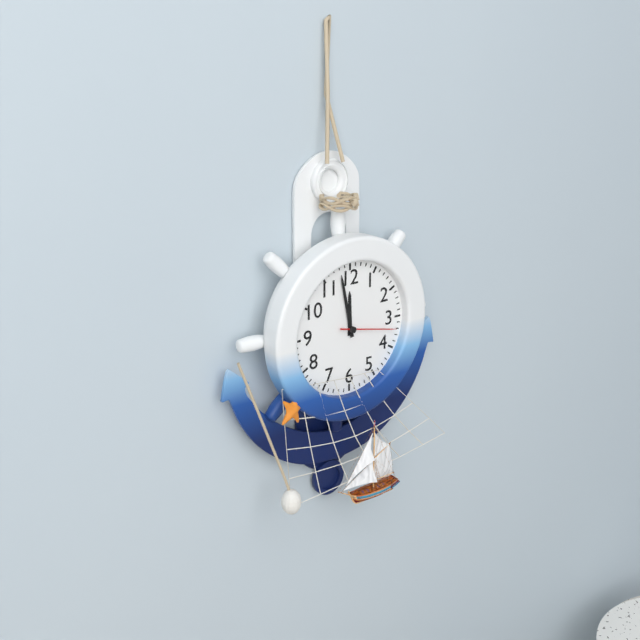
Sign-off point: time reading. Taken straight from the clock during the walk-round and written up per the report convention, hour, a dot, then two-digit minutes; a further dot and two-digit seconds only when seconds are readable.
11.58.17
